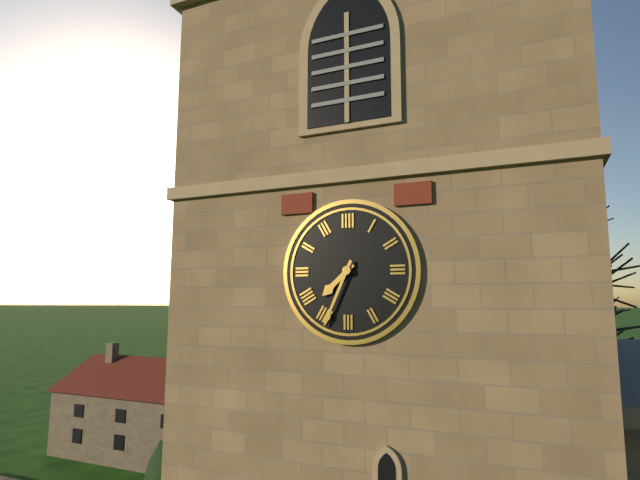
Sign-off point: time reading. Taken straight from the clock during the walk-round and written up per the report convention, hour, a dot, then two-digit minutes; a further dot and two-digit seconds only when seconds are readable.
7.34
